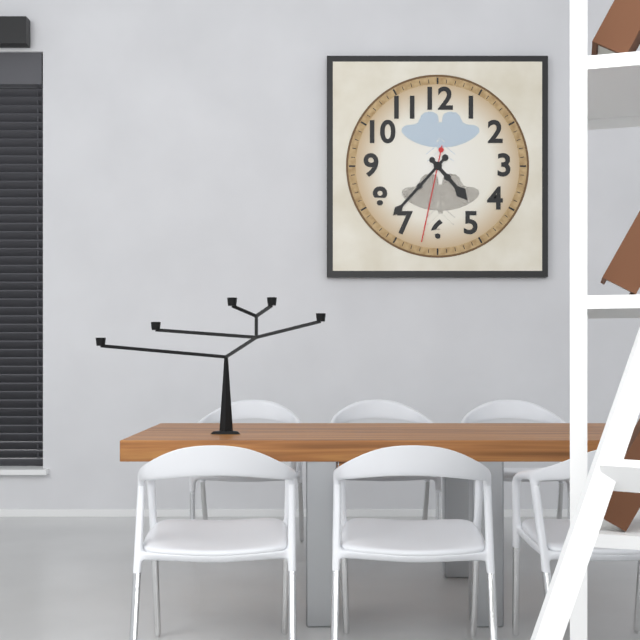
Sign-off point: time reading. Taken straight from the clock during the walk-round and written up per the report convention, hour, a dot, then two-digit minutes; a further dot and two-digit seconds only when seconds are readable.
4.37.32
